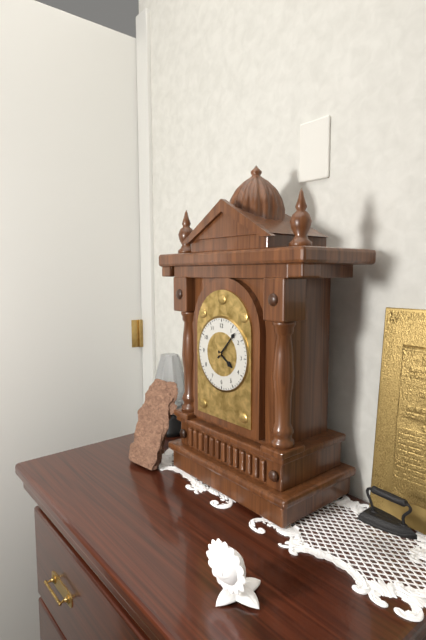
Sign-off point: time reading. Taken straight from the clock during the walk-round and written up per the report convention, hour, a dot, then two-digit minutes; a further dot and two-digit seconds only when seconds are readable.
4.07
